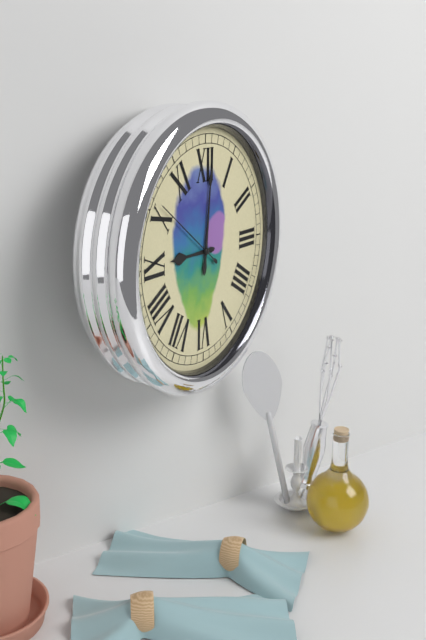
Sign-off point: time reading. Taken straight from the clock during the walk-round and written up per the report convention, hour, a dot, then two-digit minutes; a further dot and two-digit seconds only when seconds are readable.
9.01
